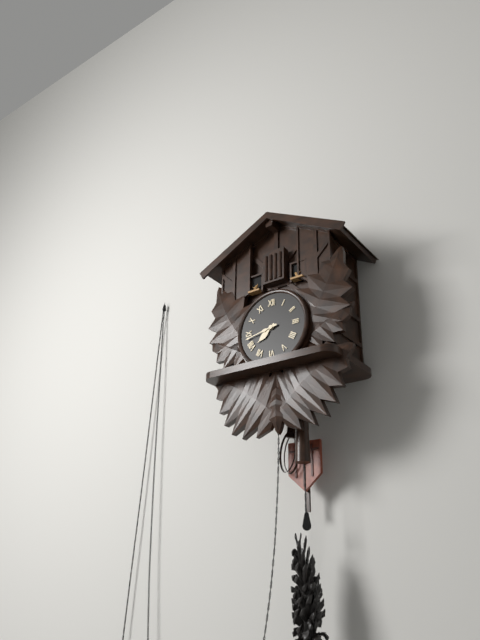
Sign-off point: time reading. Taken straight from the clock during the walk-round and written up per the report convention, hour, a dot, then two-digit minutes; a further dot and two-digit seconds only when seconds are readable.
7.43
